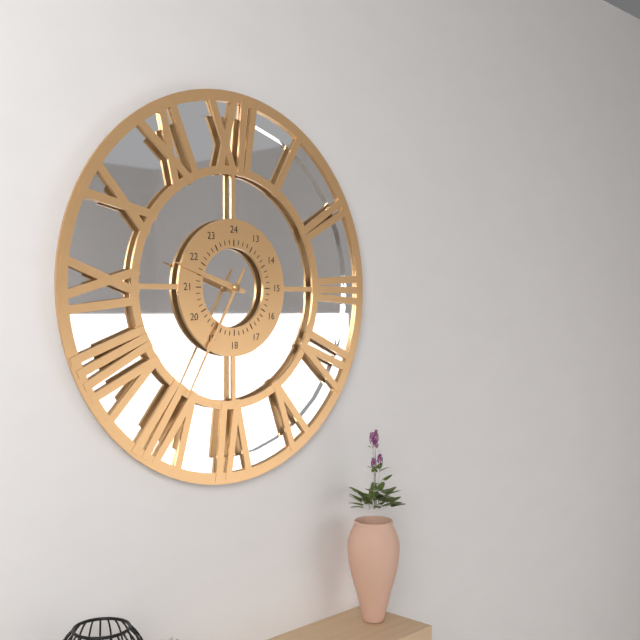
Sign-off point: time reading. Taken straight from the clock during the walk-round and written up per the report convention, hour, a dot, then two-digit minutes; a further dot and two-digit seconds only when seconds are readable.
9.35
